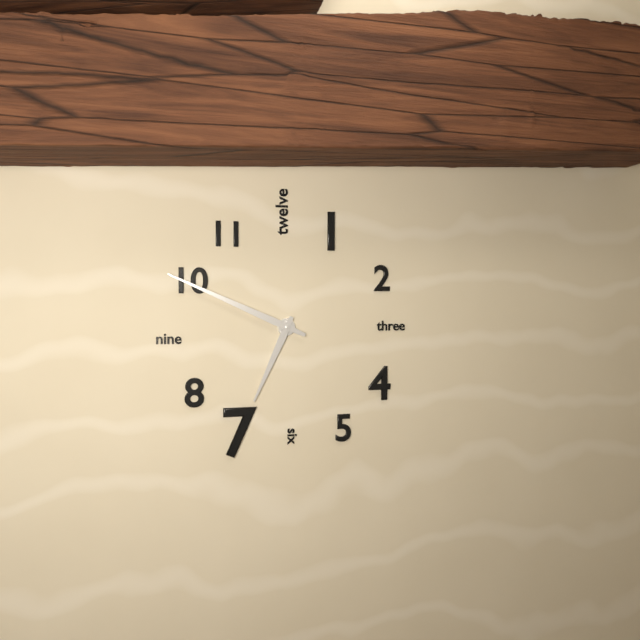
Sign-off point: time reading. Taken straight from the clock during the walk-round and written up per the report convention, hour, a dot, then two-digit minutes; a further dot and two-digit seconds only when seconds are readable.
6.49
